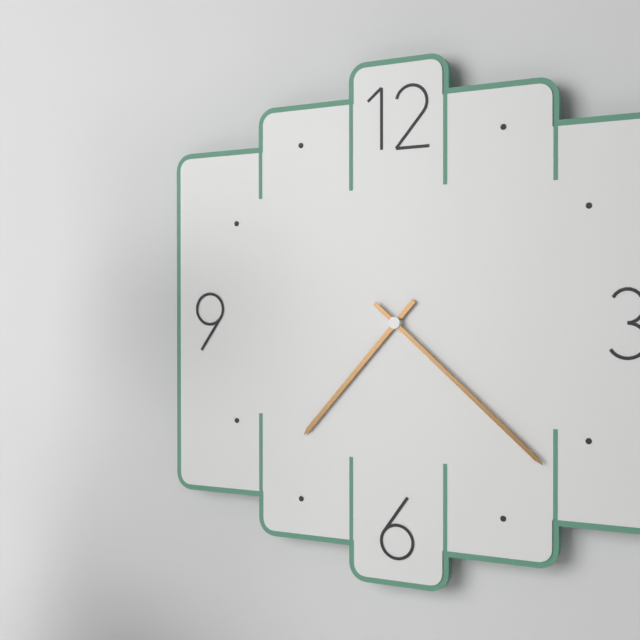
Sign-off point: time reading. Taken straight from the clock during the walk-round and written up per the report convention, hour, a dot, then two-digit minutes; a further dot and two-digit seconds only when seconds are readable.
7.22
